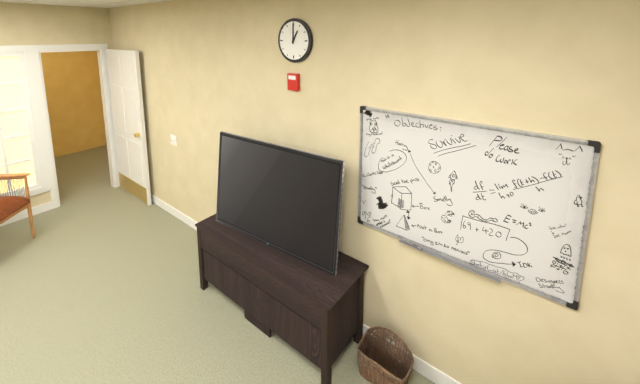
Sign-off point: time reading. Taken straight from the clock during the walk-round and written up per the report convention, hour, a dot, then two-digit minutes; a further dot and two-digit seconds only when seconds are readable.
1.00
